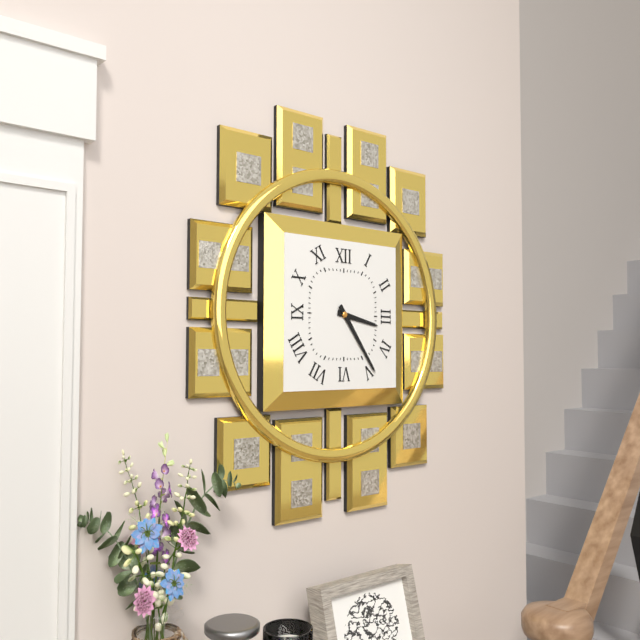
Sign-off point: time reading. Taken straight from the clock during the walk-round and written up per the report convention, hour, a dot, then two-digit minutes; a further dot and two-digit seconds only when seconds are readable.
3.24
